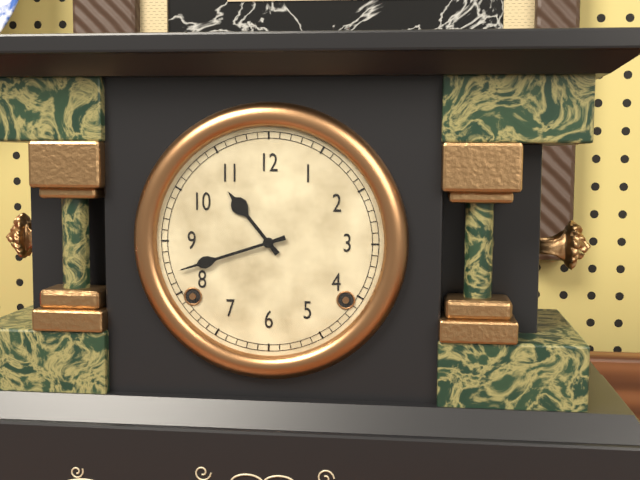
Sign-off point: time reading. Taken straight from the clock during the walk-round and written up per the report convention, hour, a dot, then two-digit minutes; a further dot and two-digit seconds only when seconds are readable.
10.42
